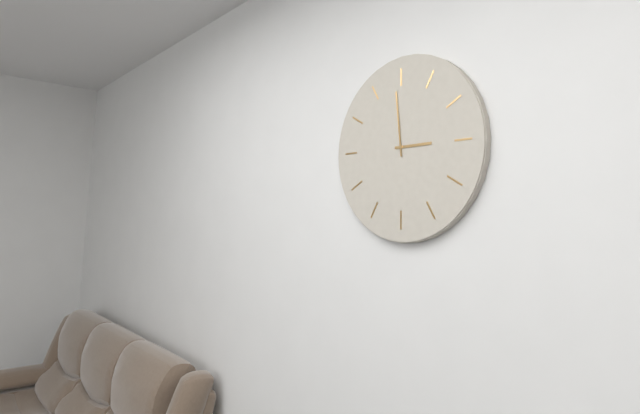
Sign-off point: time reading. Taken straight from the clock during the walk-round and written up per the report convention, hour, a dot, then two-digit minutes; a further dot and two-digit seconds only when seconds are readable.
2.59
